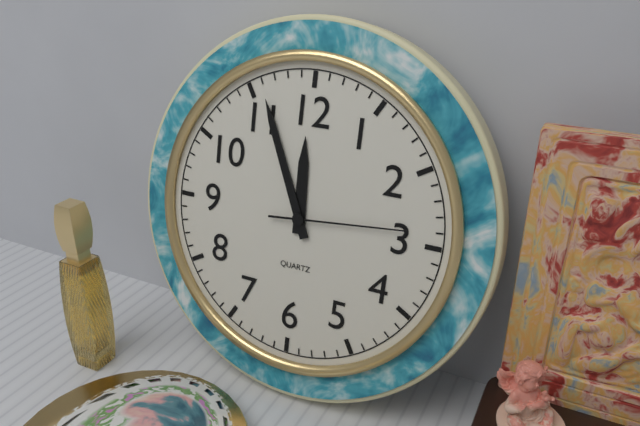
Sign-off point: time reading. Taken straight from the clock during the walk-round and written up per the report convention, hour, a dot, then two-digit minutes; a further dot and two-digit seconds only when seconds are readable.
11.56.14
